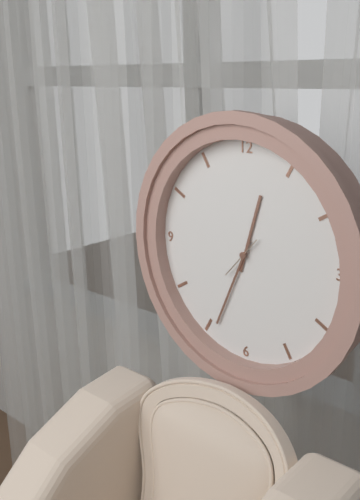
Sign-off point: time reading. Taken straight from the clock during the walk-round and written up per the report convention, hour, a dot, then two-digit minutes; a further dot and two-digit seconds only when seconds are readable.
12.34
